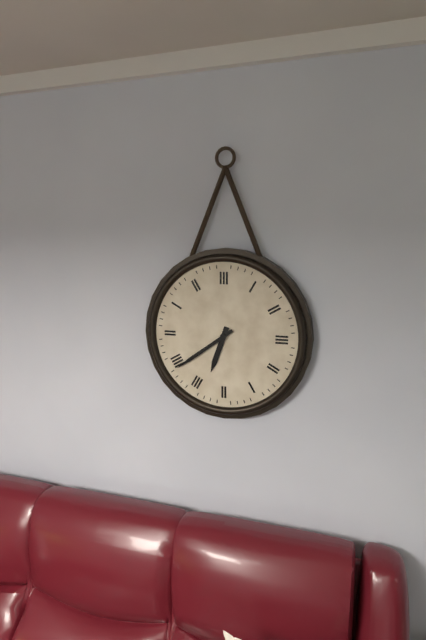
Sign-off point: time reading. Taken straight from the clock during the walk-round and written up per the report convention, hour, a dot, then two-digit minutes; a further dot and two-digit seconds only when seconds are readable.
6.39
